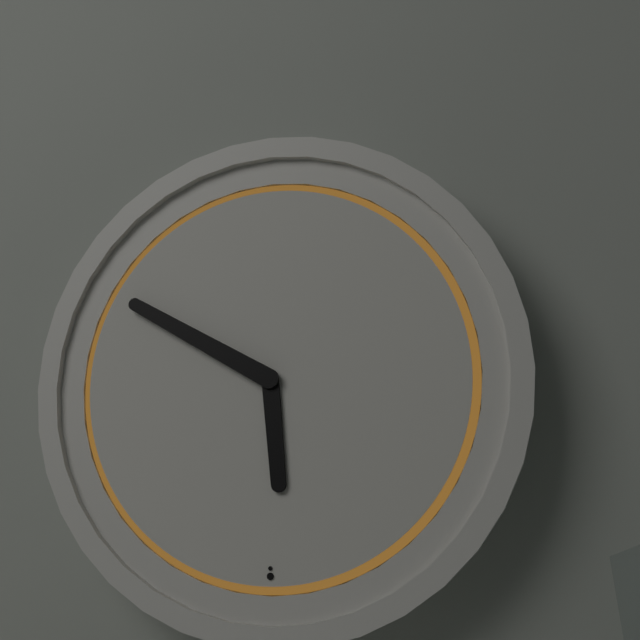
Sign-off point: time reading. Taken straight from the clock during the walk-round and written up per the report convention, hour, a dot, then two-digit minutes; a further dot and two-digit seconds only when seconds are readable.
5.50
